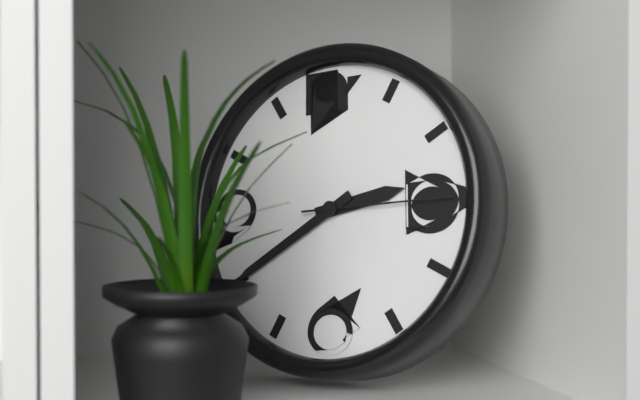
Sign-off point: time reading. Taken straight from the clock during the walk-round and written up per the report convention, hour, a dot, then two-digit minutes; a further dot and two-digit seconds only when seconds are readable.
2.40.15
